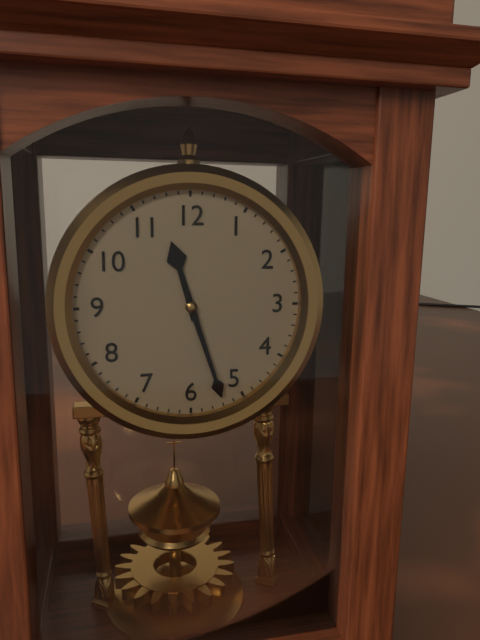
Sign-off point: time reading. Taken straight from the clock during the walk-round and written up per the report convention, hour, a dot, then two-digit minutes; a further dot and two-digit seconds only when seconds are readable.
11.27
